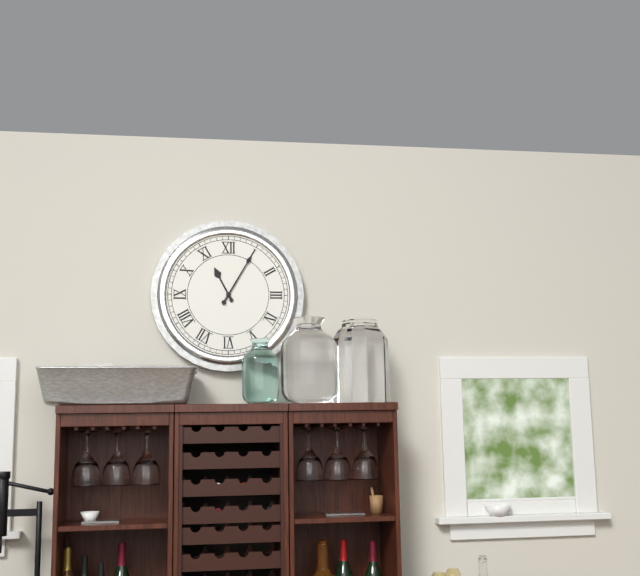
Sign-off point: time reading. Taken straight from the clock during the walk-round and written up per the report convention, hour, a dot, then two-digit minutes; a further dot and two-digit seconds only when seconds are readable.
11.05
